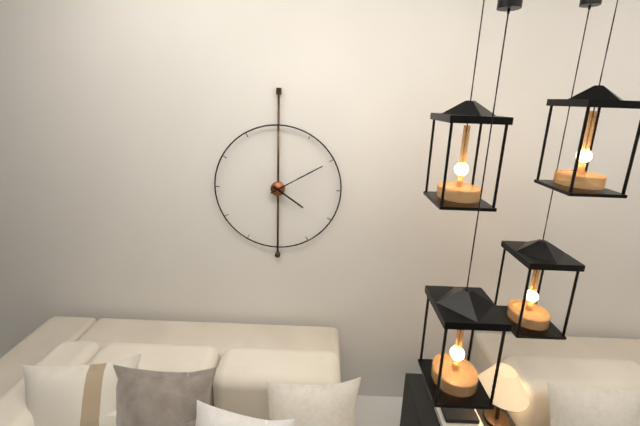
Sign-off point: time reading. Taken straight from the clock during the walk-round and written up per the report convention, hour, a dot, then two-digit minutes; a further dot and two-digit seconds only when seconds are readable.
4.10
